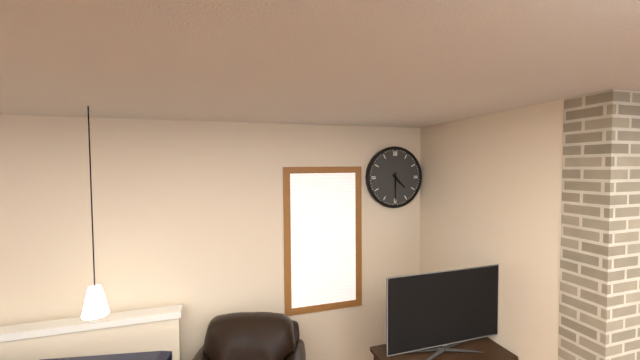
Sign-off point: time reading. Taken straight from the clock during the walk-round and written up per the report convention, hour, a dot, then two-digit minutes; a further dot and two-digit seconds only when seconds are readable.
4.30
